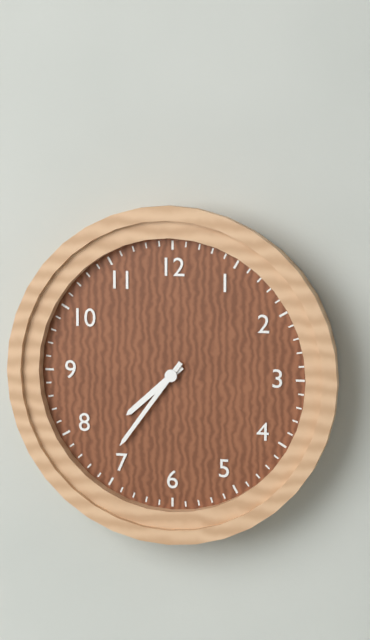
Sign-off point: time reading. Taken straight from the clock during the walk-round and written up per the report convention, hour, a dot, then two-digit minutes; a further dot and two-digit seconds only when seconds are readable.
7.36
